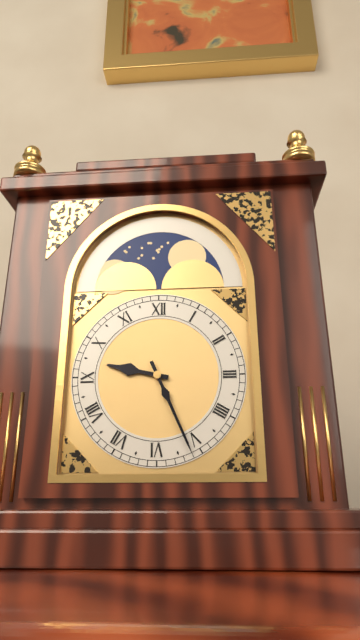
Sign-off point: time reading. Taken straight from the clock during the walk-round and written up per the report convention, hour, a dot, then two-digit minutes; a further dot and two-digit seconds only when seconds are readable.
9.26
